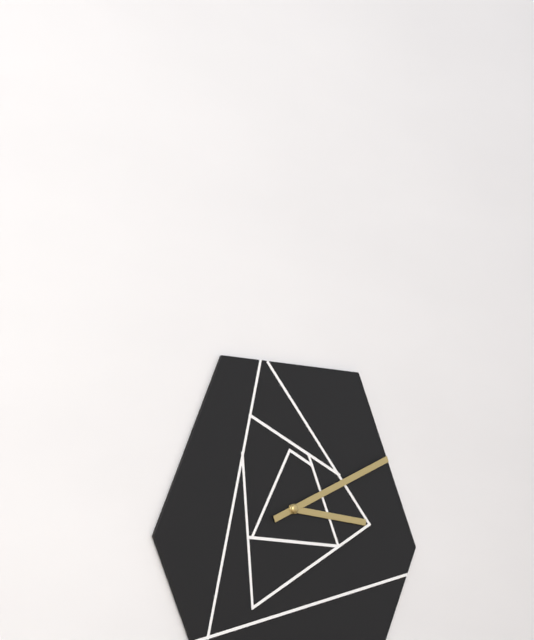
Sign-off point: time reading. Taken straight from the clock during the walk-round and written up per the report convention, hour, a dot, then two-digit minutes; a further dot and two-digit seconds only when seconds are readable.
3.11
